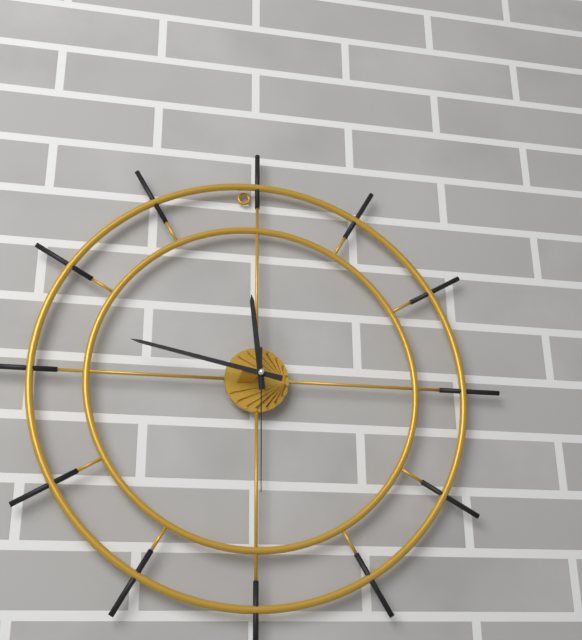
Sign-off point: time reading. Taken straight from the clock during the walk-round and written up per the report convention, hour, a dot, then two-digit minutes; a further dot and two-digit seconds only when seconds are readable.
11.47.30
